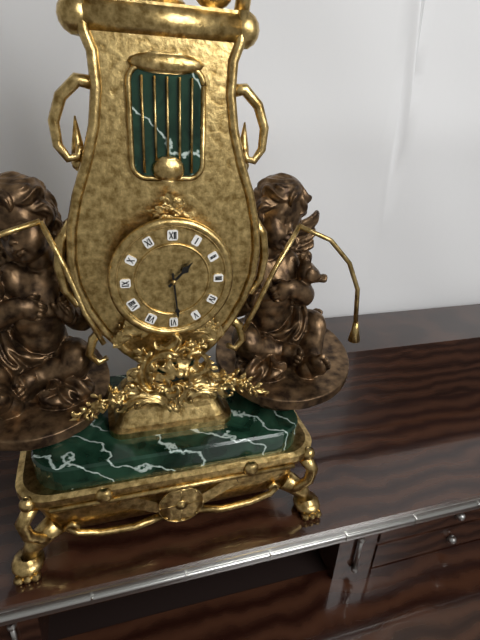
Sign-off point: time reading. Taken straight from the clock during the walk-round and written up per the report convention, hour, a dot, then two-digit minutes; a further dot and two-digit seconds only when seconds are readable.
1.29
